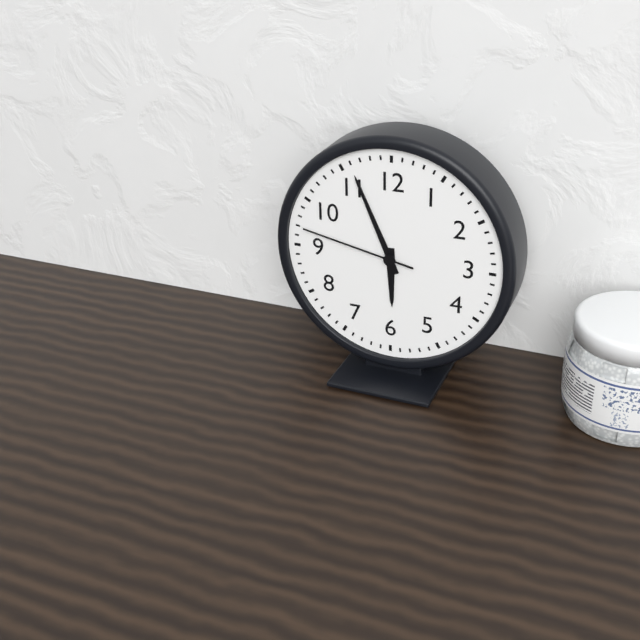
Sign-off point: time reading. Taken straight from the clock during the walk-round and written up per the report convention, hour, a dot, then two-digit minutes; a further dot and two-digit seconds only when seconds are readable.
5.56.47
